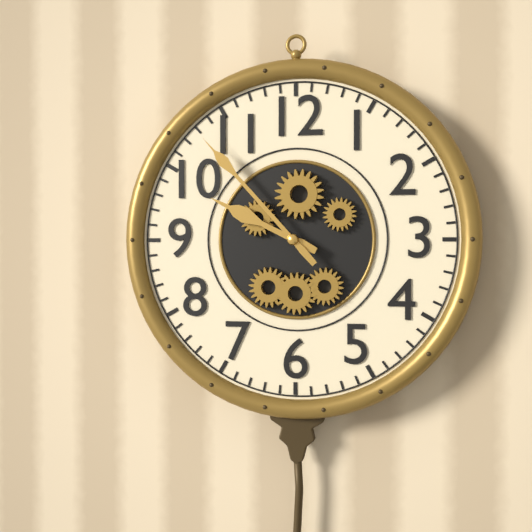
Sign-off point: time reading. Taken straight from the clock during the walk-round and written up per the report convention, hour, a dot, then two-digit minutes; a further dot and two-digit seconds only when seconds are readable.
9.53
